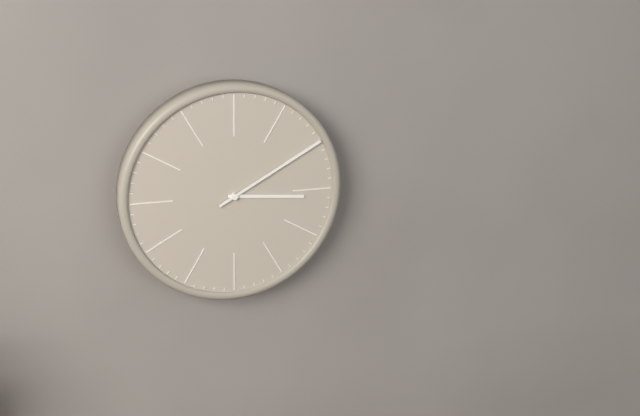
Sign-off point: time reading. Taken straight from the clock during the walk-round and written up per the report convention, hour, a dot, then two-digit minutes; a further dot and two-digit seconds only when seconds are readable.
3.10
